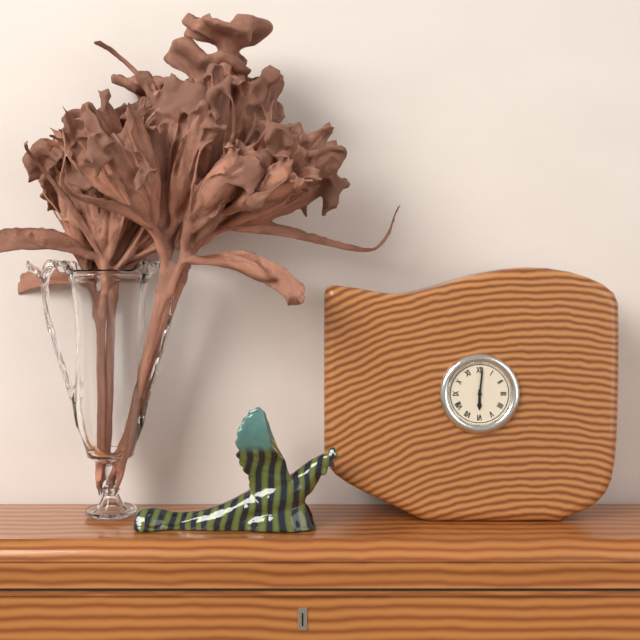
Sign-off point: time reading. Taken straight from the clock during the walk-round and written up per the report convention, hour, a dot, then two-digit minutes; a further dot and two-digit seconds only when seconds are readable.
6.01
